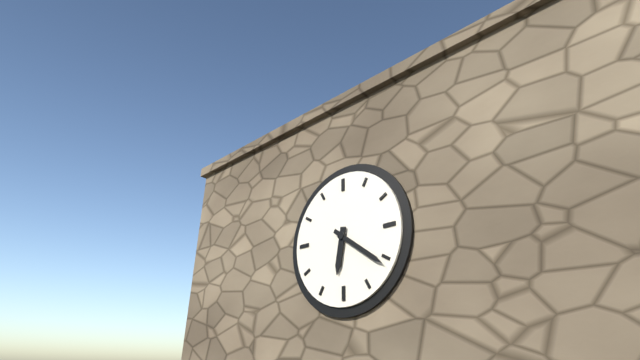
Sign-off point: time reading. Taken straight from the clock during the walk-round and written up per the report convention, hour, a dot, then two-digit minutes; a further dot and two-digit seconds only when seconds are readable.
6.21
